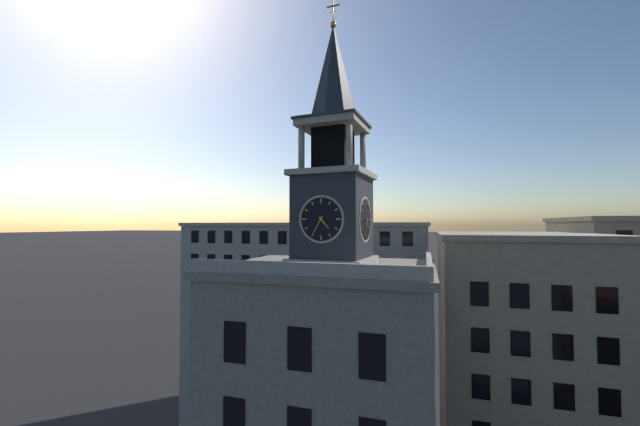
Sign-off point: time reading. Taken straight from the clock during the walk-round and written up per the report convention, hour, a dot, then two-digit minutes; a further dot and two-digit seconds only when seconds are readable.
4.35
